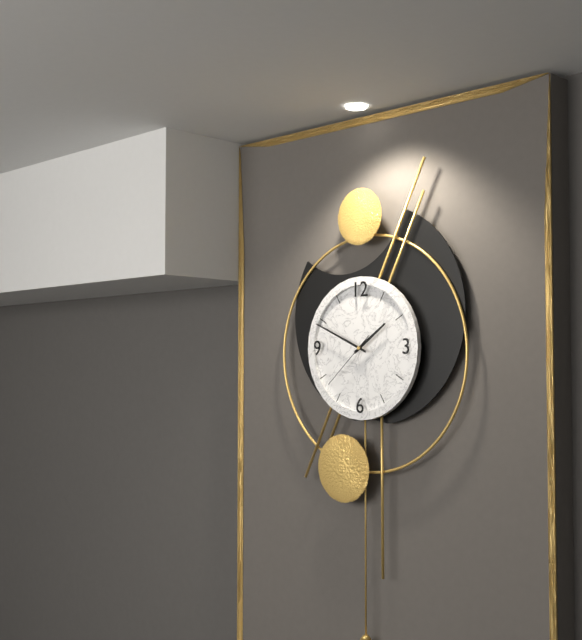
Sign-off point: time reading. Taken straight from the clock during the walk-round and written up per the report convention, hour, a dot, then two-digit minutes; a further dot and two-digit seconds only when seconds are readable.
1.49.38
